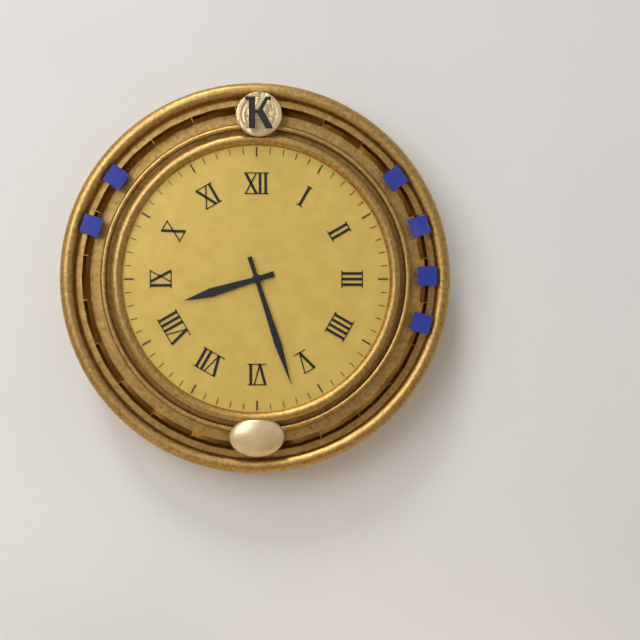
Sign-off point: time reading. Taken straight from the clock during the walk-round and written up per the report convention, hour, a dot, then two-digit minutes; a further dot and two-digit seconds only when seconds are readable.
8.27
